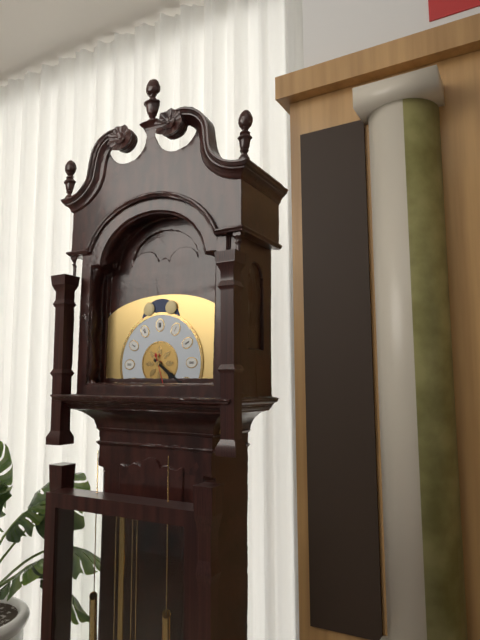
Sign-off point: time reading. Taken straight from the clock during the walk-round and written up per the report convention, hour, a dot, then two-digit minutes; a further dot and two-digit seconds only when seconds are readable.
4.21
